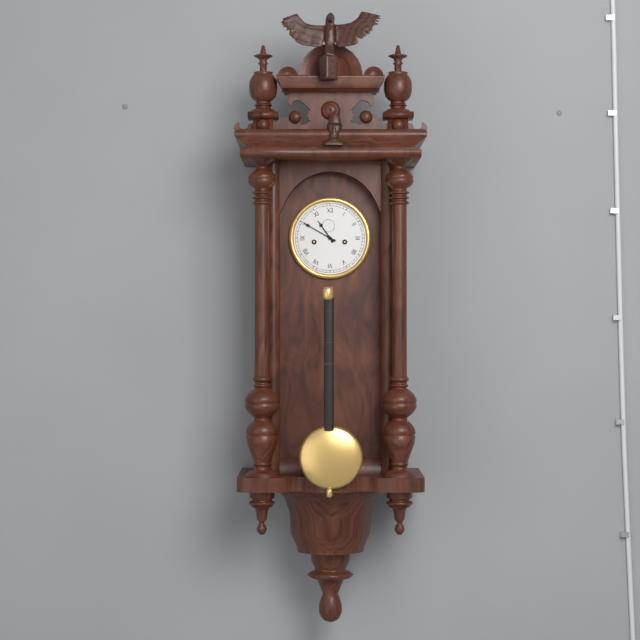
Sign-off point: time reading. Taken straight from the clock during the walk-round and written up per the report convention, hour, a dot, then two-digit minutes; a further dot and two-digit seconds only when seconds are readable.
10.50
